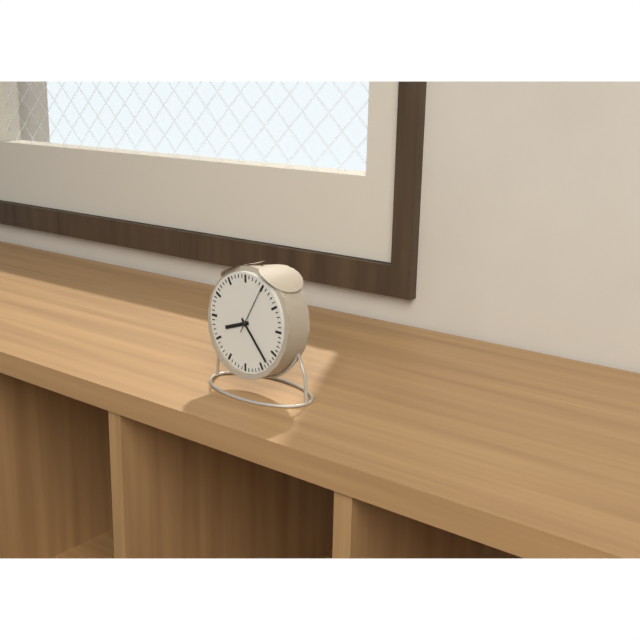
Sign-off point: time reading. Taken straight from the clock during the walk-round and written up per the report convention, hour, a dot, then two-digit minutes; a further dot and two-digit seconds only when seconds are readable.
8.23
